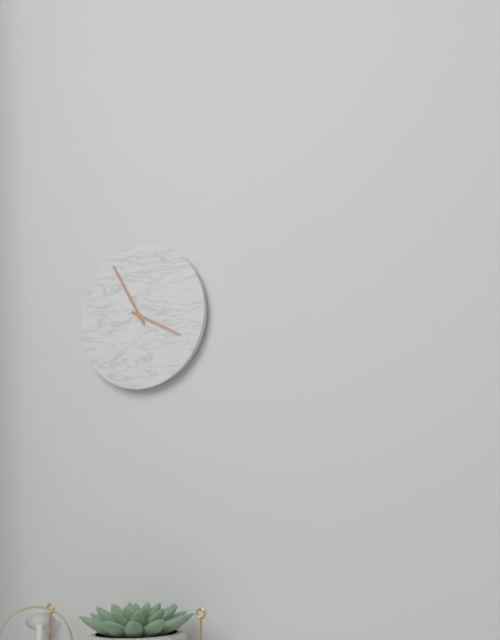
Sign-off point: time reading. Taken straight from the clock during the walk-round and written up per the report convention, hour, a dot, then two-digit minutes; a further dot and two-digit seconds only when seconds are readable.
3.55
